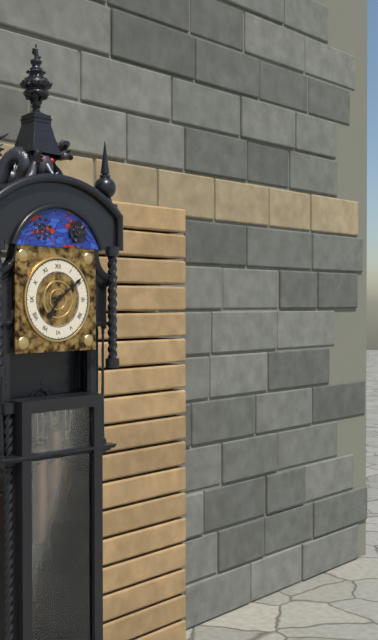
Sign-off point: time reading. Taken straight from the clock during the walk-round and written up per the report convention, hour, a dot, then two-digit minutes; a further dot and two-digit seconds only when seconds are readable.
7.09
